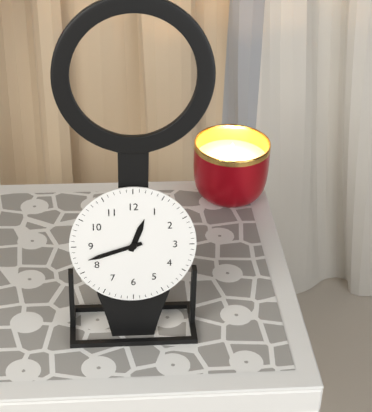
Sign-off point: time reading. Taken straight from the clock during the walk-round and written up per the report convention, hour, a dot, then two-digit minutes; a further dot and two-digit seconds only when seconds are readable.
12.42
